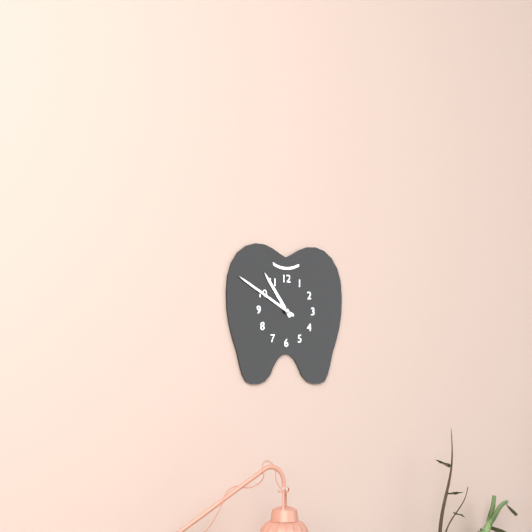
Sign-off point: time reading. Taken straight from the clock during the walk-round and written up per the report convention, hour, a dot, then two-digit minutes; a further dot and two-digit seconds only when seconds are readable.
10.50
